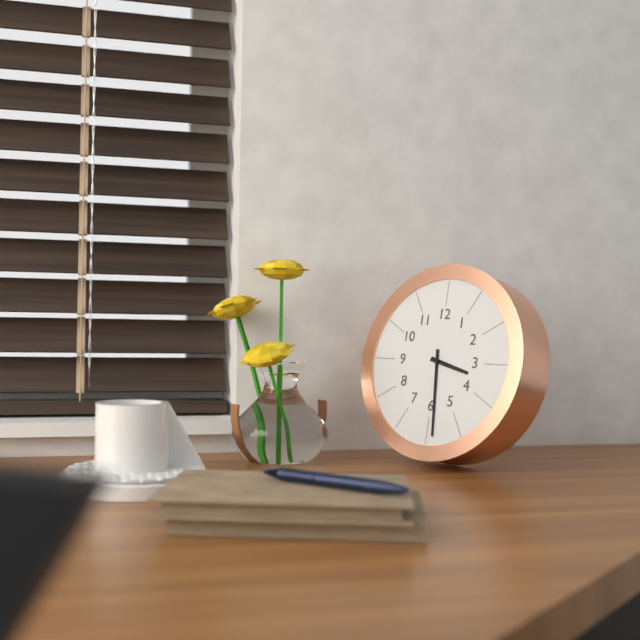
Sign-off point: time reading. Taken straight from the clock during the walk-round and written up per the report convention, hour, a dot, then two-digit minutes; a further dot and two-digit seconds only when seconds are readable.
3.29
